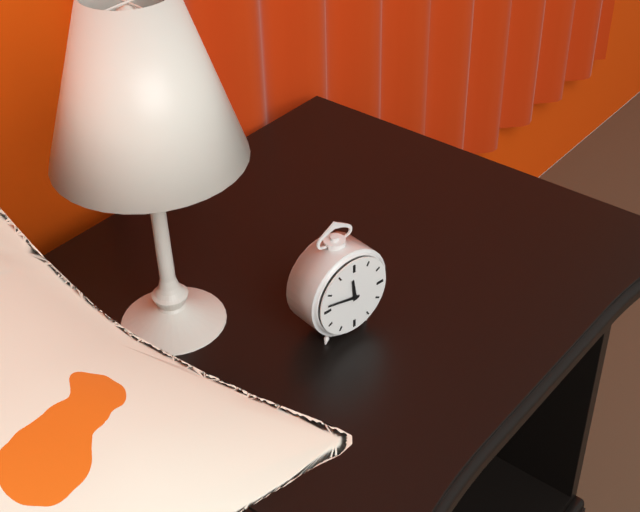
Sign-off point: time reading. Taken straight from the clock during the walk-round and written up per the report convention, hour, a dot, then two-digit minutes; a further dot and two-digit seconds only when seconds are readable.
11.47
